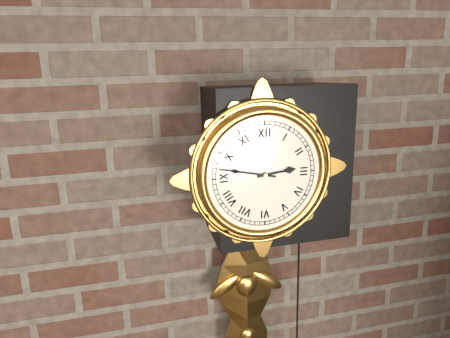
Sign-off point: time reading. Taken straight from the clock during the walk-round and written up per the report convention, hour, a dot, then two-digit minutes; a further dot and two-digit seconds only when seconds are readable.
2.47
